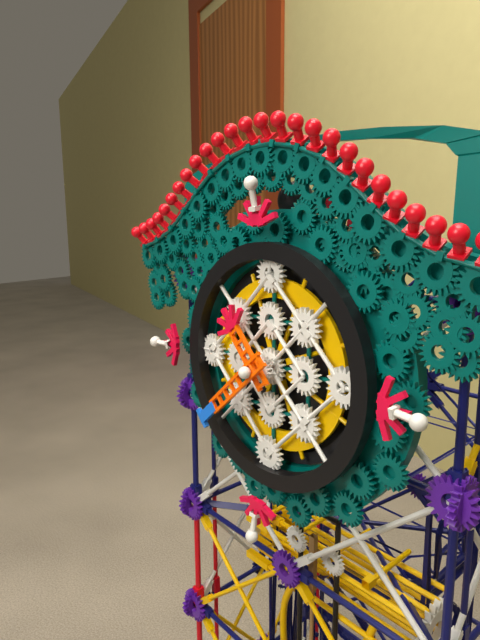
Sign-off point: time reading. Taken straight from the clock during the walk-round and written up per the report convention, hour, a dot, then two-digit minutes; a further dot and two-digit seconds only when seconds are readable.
10.38
